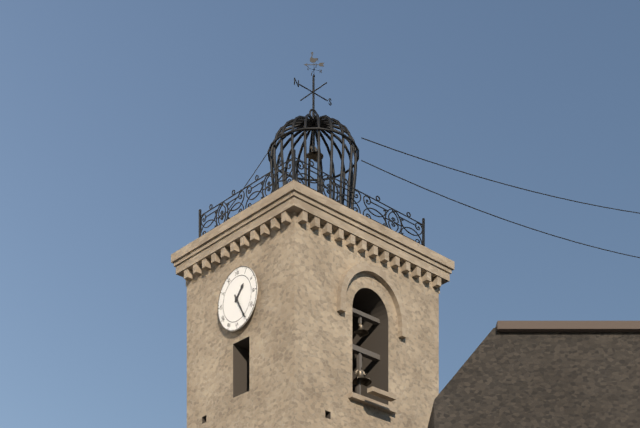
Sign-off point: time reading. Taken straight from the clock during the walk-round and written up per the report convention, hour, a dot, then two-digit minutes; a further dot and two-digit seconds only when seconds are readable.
1.25
